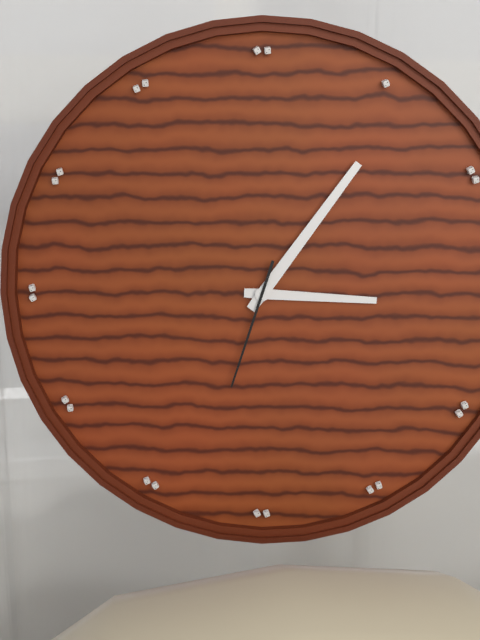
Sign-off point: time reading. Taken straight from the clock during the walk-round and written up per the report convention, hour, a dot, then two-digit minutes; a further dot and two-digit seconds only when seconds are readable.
3.06.33
